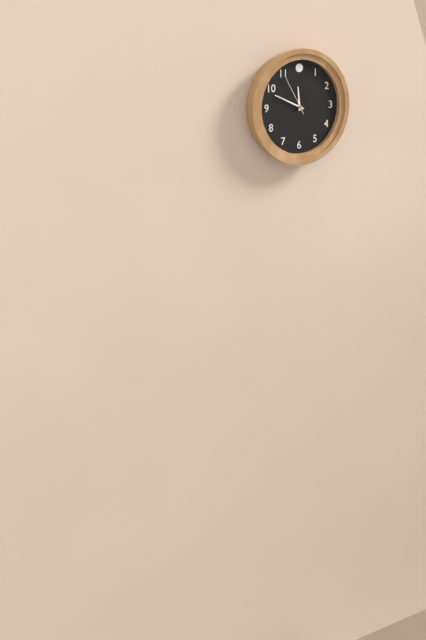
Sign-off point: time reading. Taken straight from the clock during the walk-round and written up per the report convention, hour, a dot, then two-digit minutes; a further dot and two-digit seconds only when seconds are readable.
11.49
